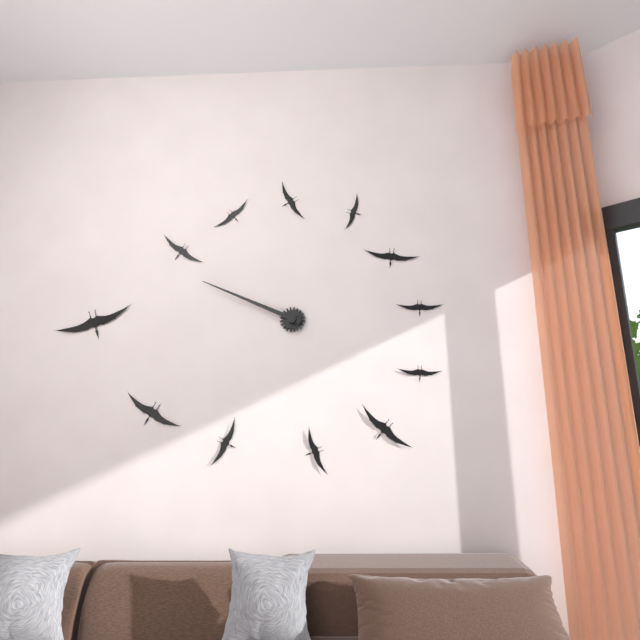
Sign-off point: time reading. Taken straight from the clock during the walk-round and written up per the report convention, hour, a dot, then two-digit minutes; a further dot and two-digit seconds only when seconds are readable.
9.49
